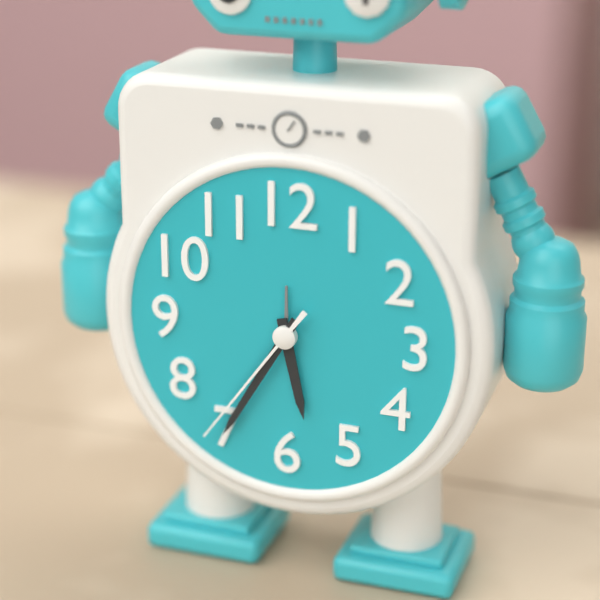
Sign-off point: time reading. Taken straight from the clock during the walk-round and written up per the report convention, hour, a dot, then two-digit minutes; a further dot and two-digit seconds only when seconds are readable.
5.35.36
